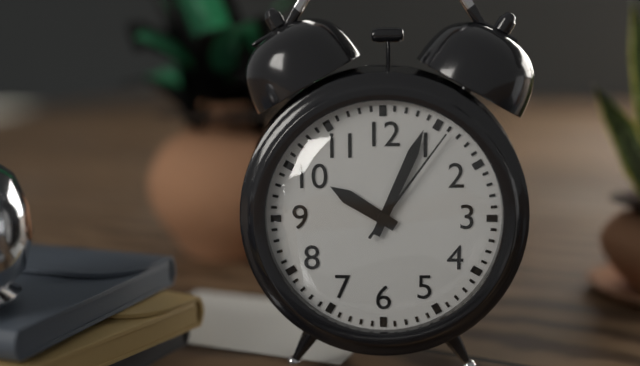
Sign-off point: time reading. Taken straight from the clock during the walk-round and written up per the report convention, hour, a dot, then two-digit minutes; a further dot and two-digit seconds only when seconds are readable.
10.04.06
